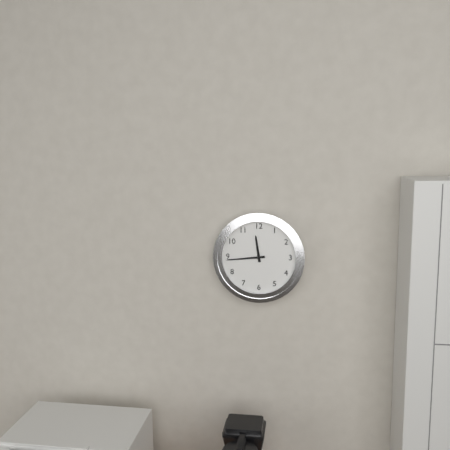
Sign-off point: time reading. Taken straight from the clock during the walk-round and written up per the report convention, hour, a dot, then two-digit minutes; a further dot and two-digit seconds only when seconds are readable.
11.44
